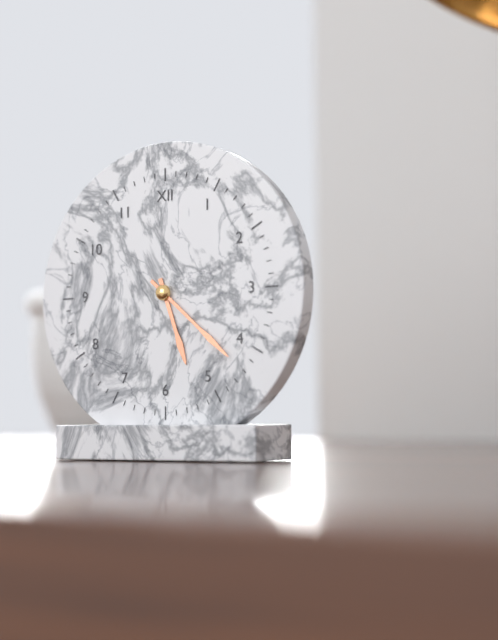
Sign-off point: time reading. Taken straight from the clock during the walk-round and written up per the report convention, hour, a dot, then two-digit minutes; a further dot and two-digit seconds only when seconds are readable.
5.22
